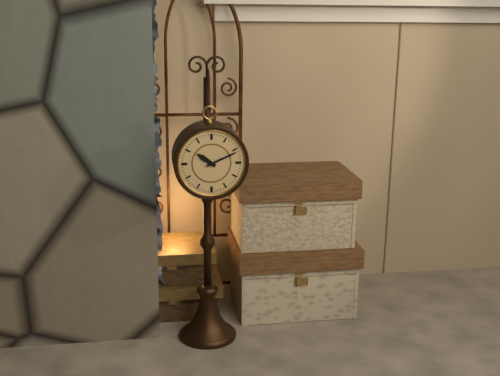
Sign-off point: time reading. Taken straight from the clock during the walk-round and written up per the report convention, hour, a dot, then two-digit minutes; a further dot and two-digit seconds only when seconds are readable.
10.11
